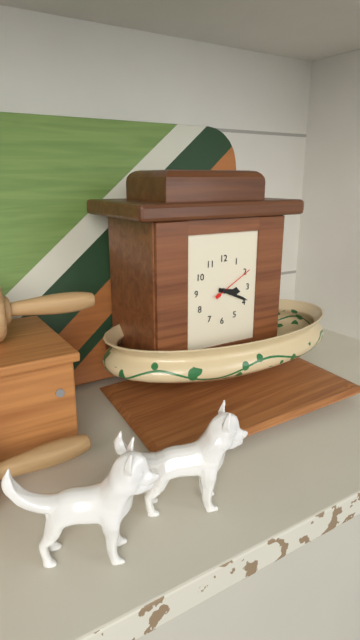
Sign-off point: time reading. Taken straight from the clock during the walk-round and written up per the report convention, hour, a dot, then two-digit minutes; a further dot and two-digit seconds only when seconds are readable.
3.19.10
